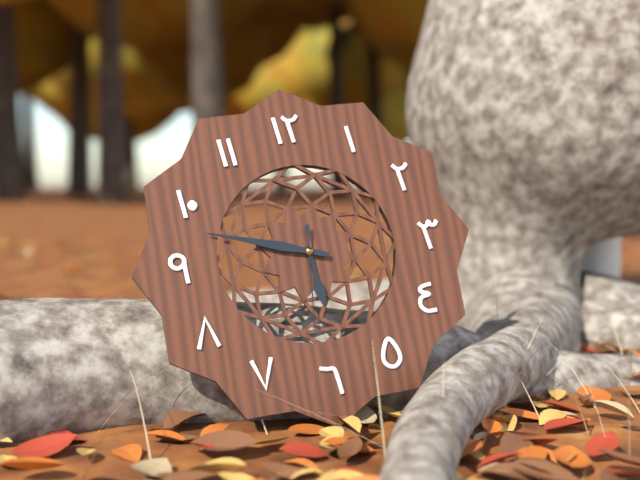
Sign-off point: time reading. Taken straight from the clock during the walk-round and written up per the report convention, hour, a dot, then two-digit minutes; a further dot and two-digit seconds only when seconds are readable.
5.48.31
